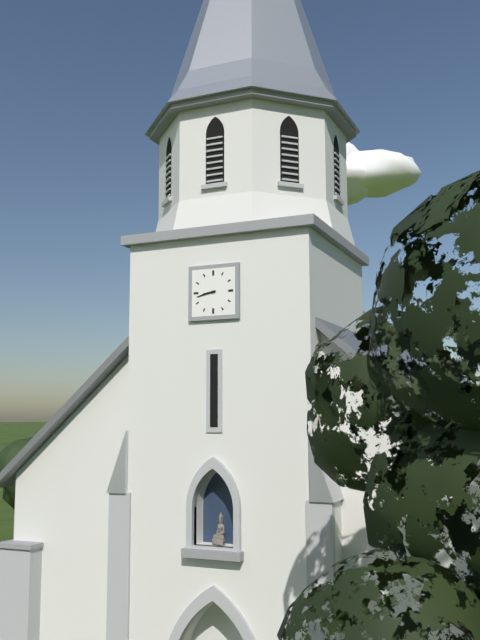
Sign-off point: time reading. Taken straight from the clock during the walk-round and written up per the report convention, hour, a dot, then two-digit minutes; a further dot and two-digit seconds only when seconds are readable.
8.43
